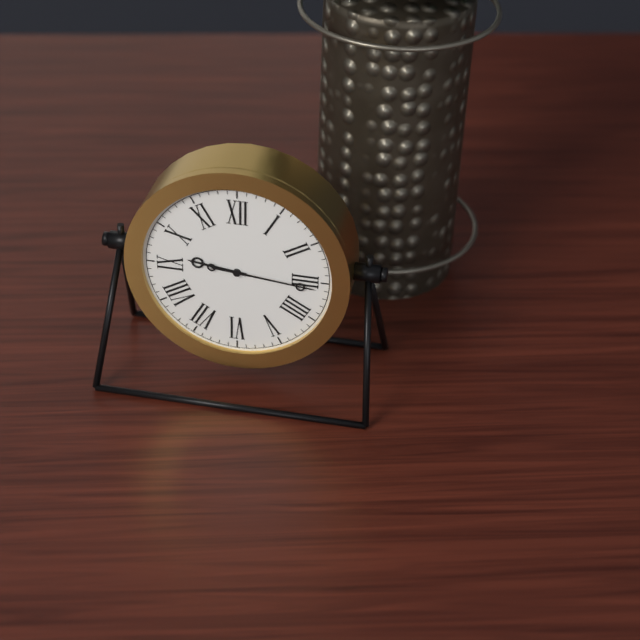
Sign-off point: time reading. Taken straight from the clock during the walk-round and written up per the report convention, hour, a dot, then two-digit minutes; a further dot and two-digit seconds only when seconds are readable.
9.16
